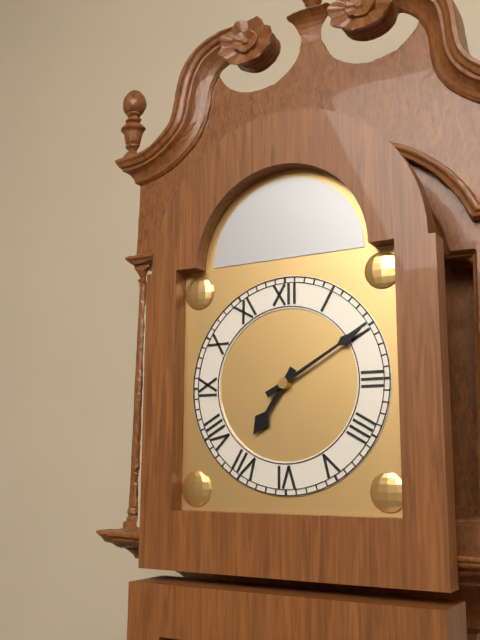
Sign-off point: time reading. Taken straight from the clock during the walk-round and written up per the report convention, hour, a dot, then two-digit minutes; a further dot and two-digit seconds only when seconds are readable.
7.10
